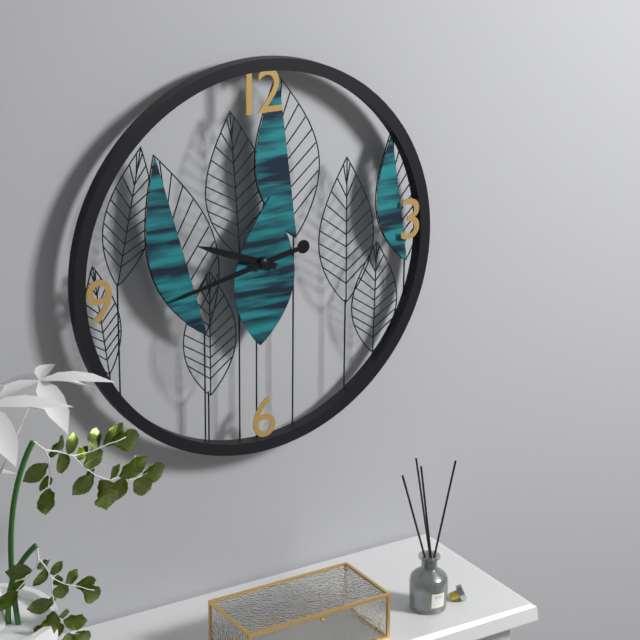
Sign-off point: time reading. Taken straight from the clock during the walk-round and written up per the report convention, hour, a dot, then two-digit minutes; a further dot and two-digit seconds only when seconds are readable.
9.43
